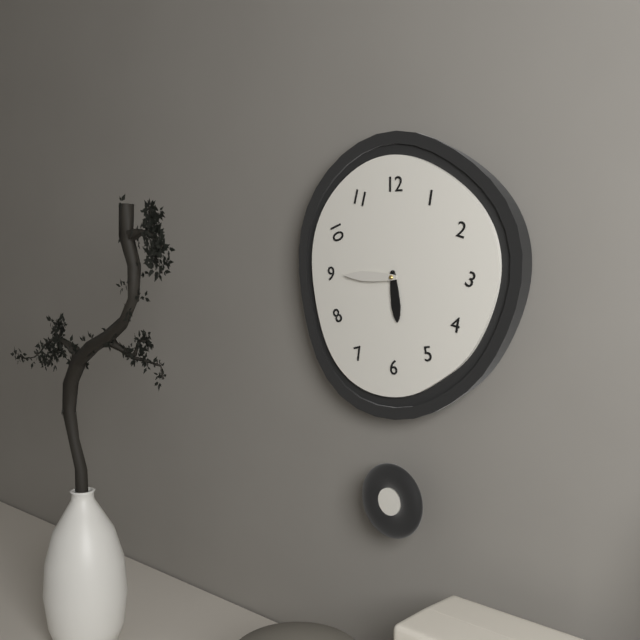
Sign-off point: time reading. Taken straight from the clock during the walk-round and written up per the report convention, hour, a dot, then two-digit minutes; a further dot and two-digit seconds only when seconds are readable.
5.45
